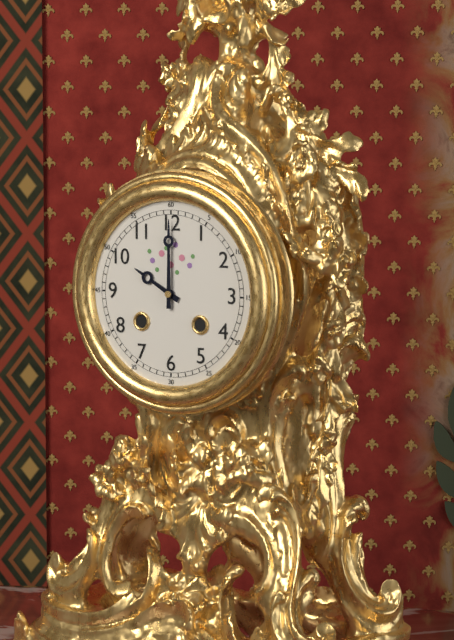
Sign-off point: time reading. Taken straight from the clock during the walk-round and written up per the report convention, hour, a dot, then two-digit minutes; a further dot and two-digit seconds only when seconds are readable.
10.00
